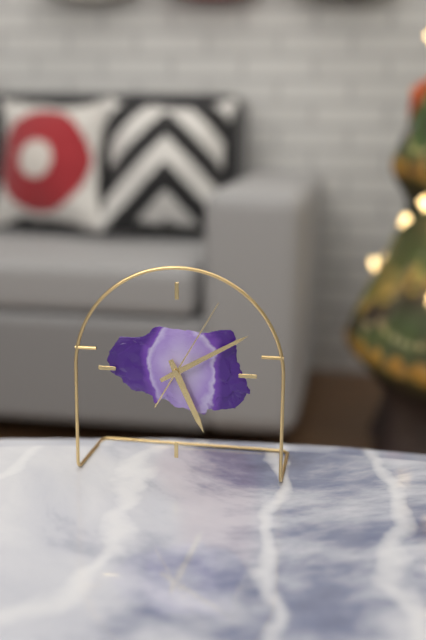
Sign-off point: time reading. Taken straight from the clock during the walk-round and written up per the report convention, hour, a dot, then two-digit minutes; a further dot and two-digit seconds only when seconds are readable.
5.10.05
